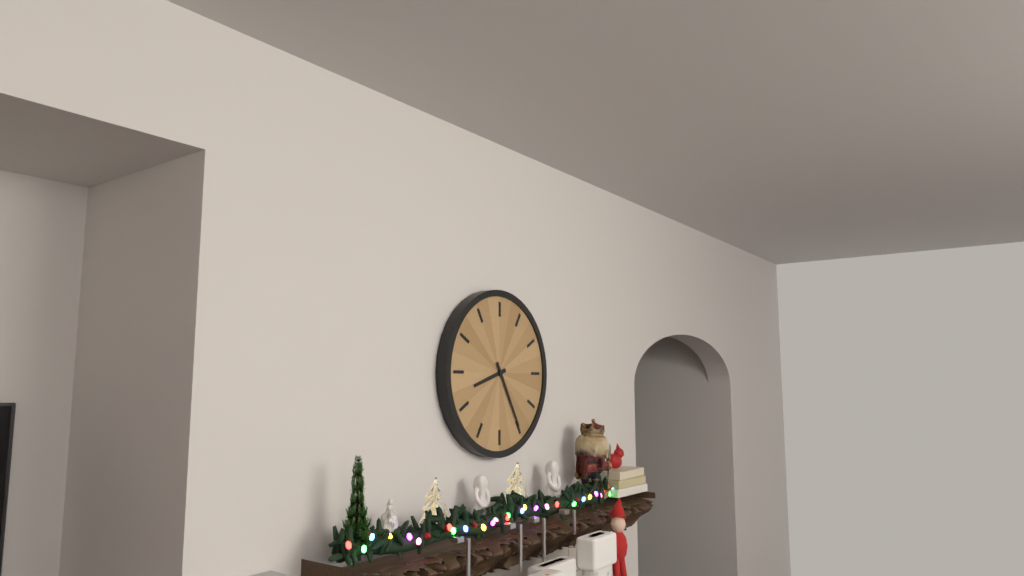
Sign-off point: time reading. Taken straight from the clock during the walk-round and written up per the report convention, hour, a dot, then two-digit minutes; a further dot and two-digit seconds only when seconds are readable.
8.25
